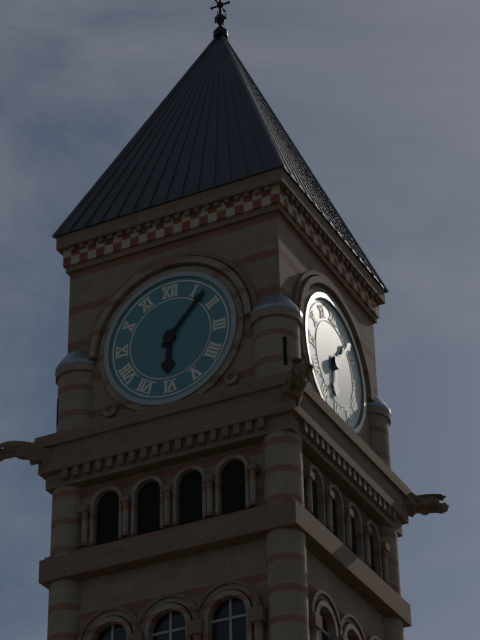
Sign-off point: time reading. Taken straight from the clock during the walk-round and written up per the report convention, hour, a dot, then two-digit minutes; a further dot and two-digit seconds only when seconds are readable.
6.07
